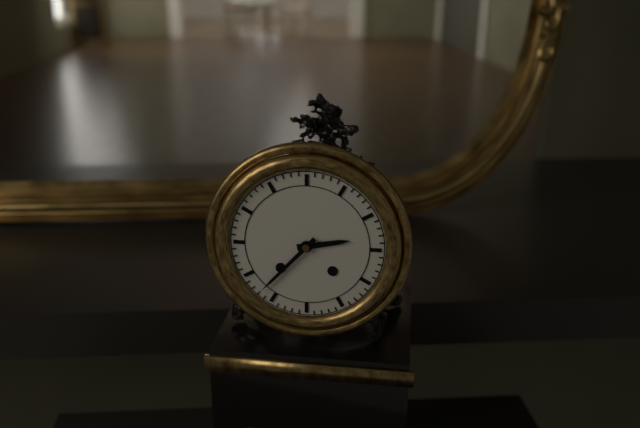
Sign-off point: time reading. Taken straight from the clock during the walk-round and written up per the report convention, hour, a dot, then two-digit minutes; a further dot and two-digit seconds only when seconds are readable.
2.37
